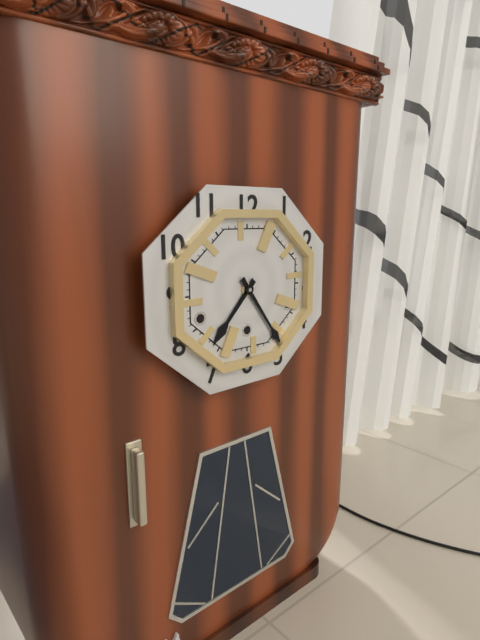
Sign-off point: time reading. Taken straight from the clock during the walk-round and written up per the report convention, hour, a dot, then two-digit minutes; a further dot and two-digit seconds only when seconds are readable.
7.24
